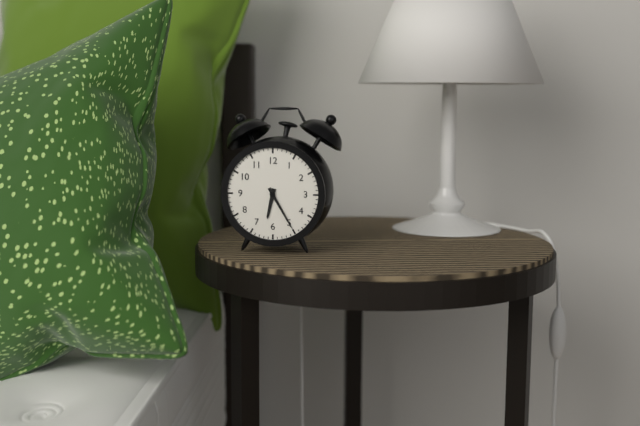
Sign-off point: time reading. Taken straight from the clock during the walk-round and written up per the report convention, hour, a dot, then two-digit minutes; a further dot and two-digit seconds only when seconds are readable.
6.25
